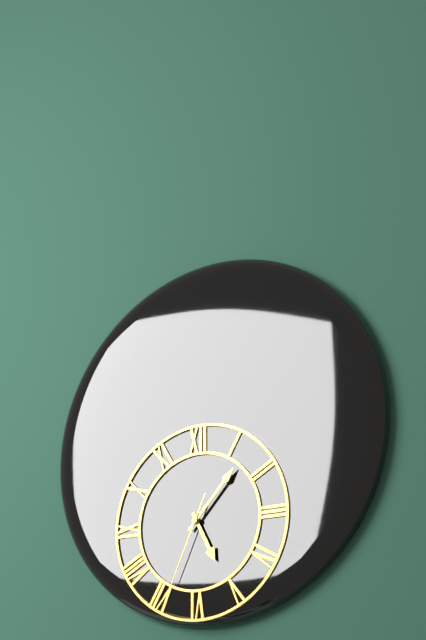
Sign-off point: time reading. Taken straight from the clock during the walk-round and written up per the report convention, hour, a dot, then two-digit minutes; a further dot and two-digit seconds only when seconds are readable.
5.07.34
